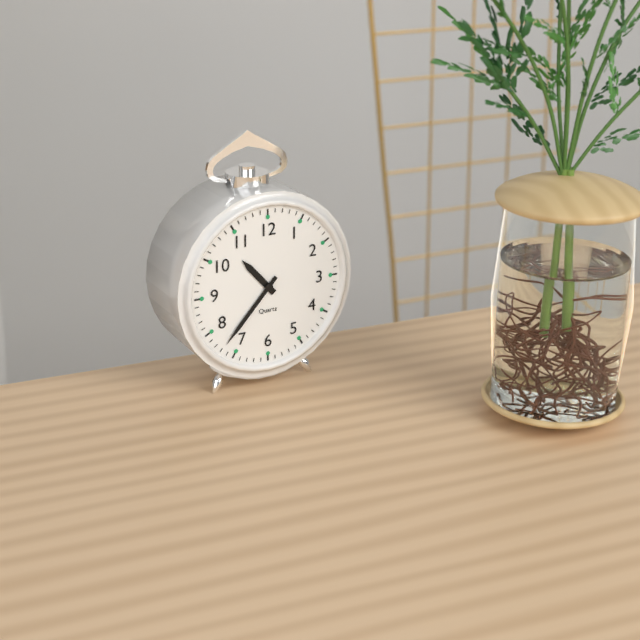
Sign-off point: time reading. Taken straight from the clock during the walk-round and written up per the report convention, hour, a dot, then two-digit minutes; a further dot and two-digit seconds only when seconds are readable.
10.37
